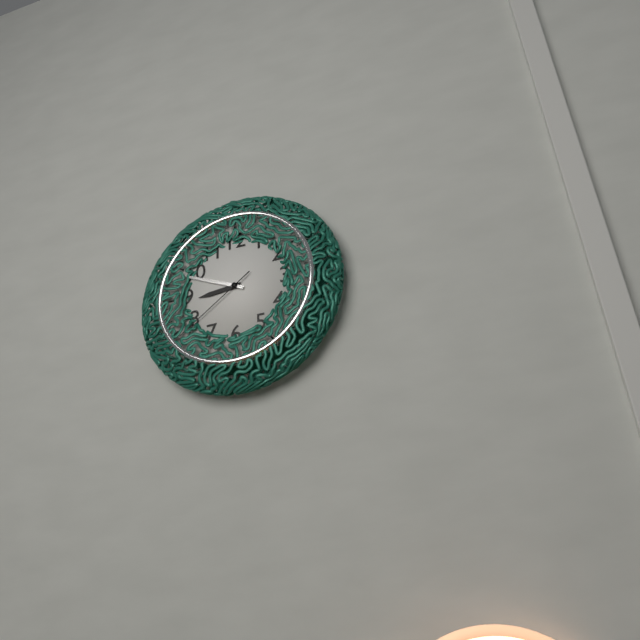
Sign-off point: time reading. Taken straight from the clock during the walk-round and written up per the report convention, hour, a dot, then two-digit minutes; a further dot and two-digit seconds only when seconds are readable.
8.49.39
